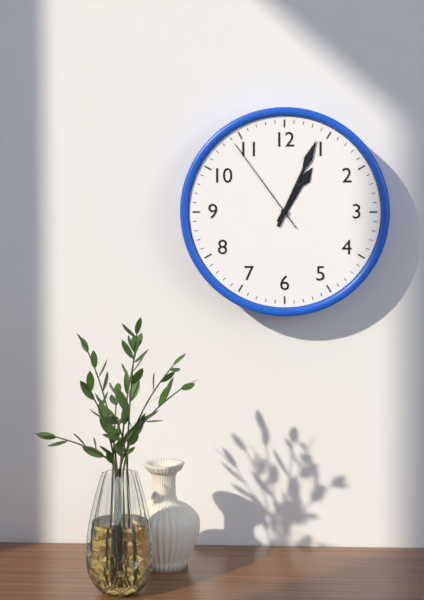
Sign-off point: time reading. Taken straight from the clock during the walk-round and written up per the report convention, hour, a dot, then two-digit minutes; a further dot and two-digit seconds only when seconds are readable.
1.04.54
